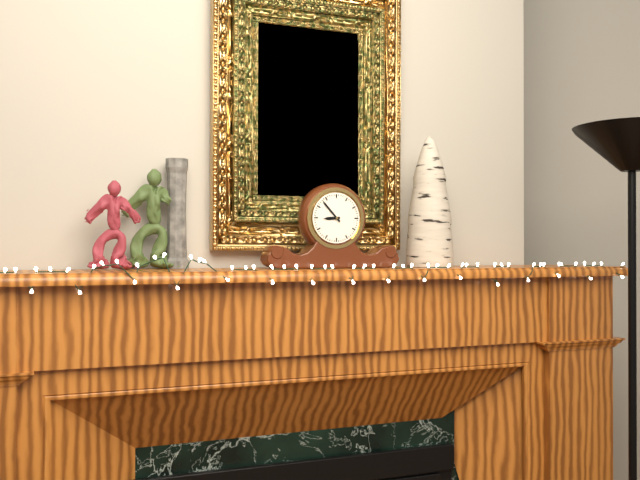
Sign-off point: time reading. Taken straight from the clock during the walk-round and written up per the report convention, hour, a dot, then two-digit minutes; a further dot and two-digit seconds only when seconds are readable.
8.53
